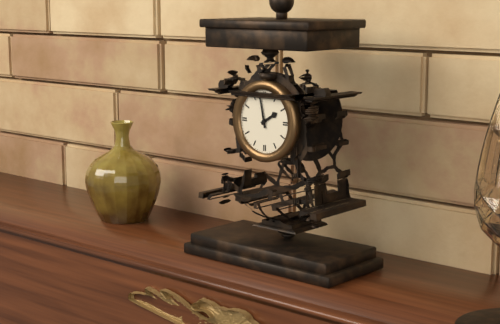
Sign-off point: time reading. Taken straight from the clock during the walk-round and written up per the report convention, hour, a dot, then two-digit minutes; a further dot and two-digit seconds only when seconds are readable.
1.58
